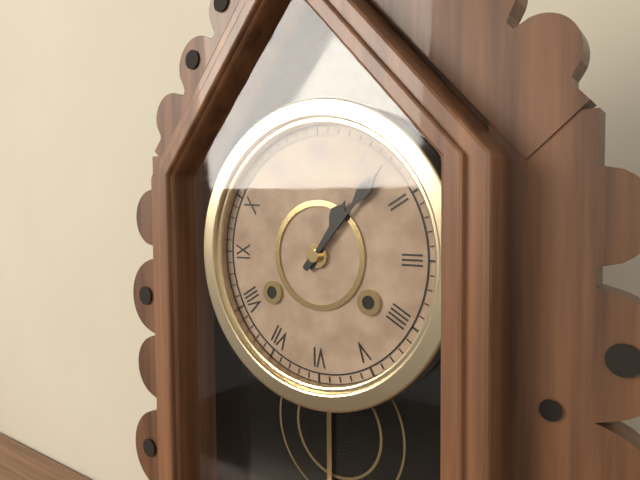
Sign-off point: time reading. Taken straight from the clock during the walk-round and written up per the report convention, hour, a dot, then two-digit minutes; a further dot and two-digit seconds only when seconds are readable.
1.07
